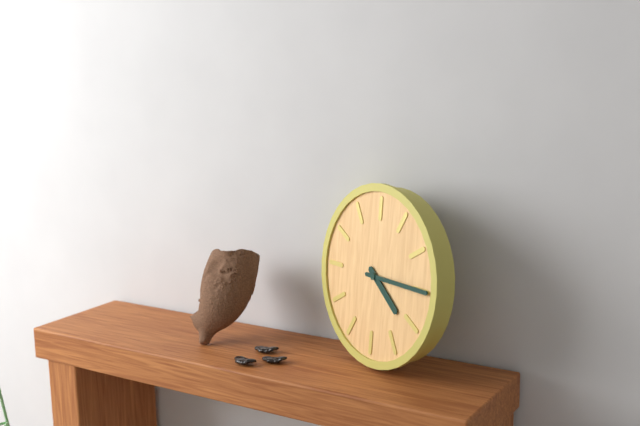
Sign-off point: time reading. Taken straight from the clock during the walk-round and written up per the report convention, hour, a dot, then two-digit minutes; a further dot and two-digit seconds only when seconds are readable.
4.15
